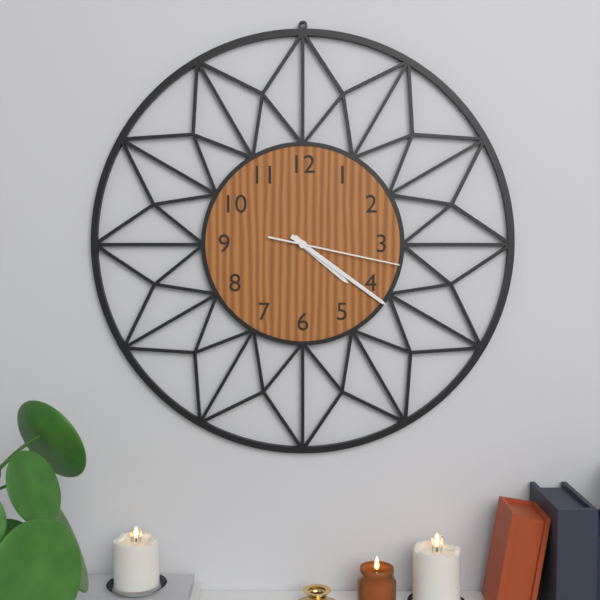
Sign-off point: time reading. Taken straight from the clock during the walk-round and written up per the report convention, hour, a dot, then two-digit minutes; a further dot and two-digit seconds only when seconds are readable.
4.21.17
